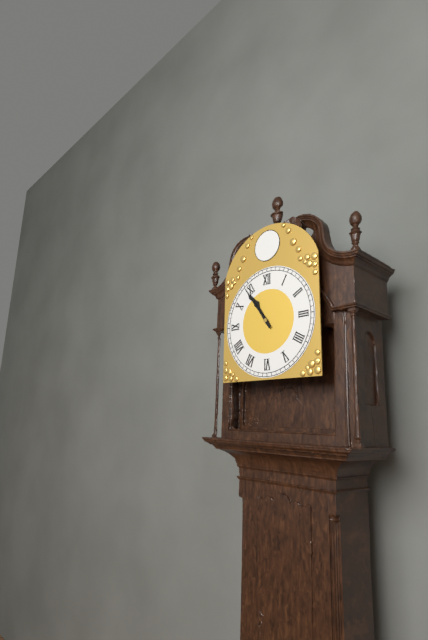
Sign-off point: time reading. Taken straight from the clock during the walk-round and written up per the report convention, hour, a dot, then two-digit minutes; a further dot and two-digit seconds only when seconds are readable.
10.54
